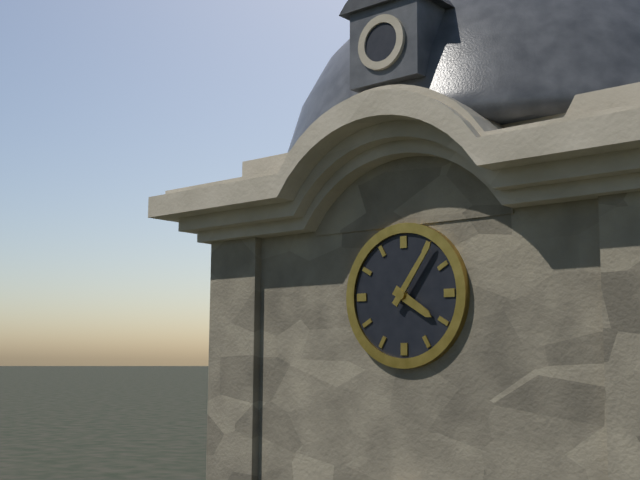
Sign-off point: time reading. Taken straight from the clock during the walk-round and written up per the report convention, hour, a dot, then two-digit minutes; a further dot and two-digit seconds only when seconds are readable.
4.06
